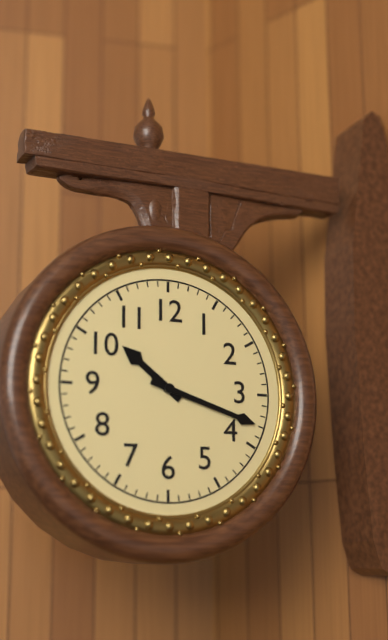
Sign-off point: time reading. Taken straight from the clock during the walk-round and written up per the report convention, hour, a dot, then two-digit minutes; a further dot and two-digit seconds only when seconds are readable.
10.18
